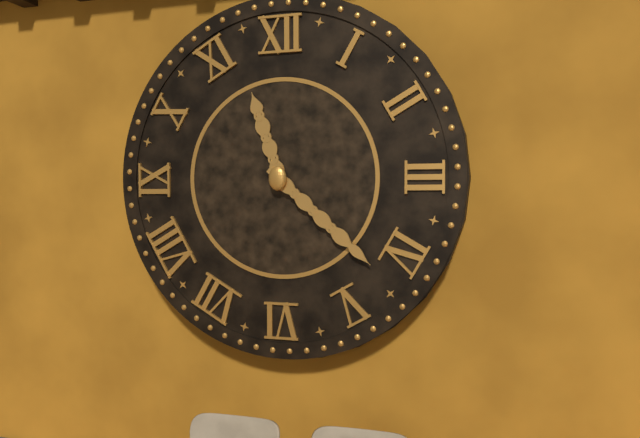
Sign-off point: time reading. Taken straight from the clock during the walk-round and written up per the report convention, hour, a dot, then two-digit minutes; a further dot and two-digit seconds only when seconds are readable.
11.22
